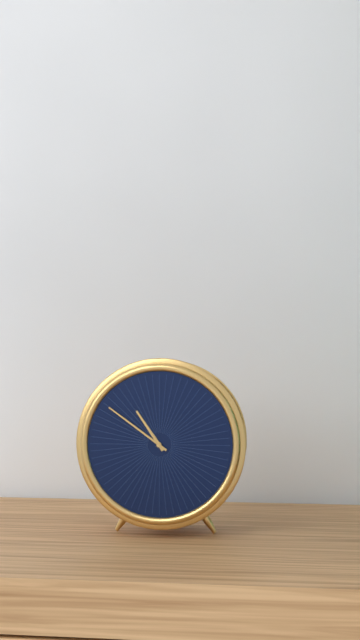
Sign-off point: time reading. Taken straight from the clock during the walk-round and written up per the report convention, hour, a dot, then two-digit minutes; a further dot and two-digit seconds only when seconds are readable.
10.51
